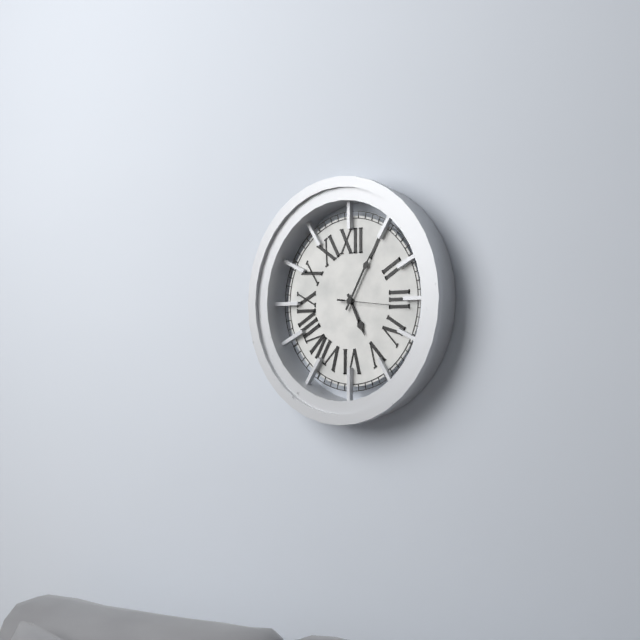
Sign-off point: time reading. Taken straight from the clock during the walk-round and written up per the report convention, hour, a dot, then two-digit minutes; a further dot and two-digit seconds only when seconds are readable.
5.05.16
